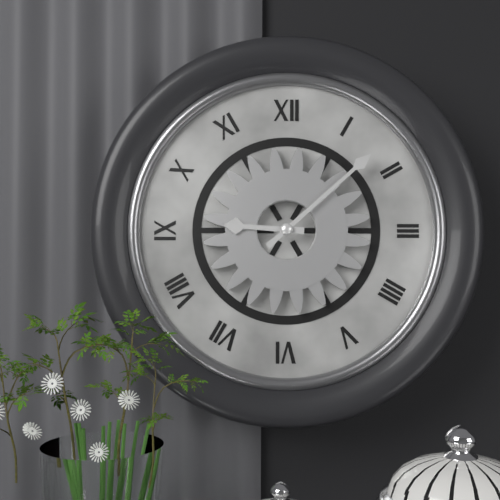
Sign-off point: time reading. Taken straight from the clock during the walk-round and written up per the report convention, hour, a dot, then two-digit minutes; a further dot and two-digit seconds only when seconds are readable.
9.08
